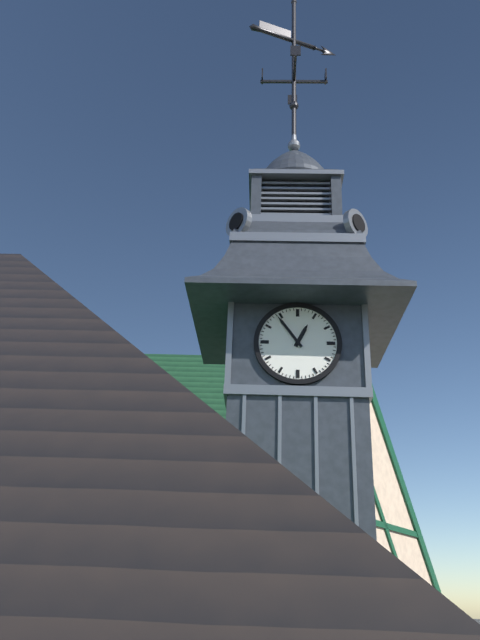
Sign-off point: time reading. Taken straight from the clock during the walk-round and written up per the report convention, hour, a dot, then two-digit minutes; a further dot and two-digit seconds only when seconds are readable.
12.54
